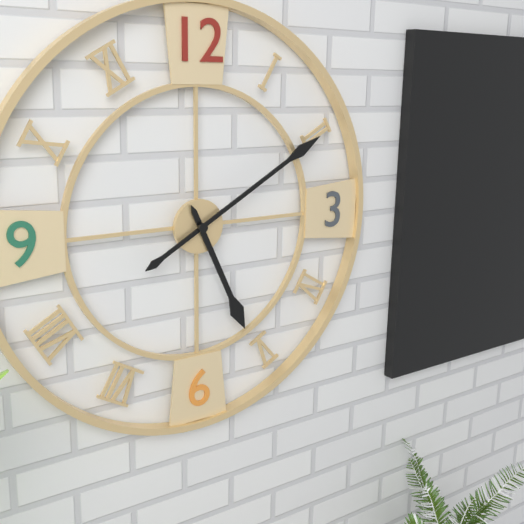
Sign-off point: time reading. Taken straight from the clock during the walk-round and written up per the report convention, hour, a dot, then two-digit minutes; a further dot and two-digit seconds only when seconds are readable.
5.10
